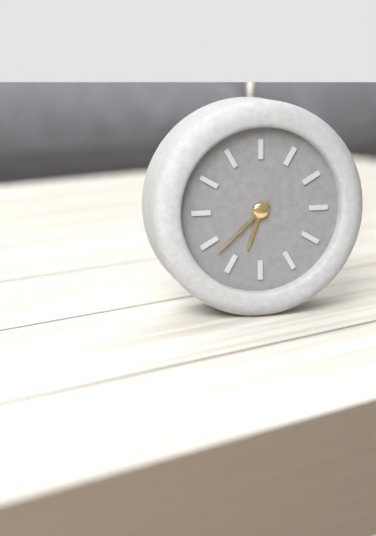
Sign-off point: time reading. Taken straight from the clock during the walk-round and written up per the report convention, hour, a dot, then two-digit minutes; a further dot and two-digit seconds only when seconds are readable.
6.38
